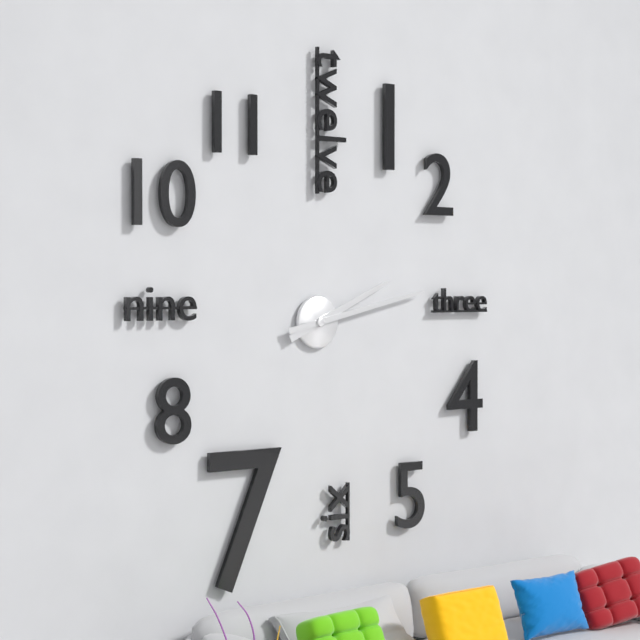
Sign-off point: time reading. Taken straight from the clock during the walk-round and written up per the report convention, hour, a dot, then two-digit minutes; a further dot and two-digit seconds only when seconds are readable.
2.13
